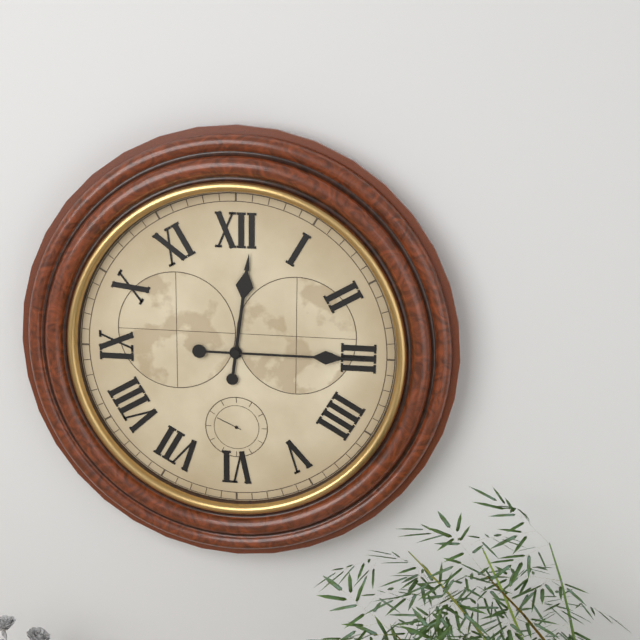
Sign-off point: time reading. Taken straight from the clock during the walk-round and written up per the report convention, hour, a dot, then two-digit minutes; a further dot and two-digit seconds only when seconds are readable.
12.15
